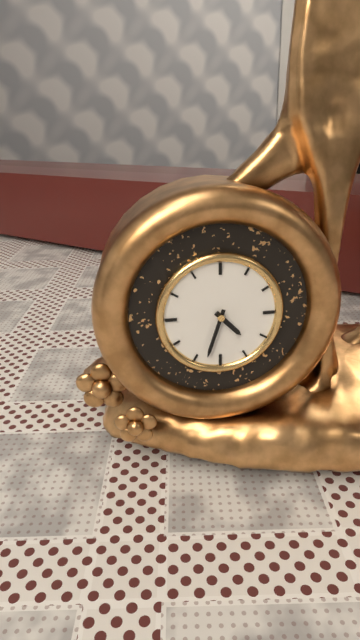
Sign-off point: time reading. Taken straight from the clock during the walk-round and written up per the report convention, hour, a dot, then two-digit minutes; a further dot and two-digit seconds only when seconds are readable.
4.33
